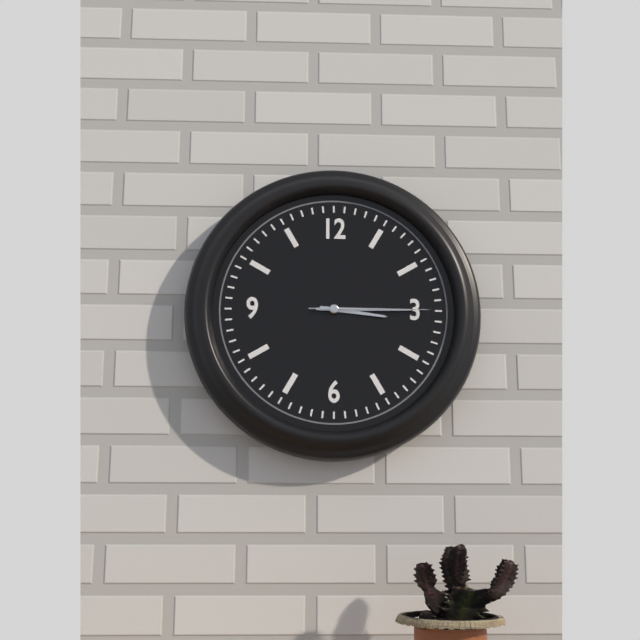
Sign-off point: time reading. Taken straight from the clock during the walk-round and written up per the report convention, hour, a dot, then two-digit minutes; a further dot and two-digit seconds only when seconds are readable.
3.15.15
